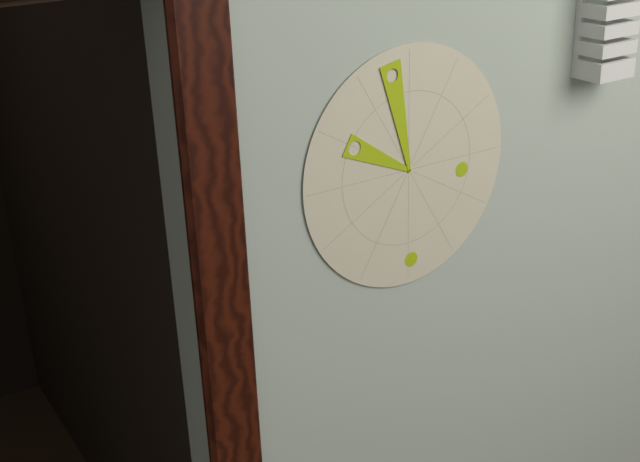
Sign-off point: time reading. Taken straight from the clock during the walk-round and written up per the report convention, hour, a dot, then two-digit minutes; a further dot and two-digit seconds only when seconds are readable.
9.58
